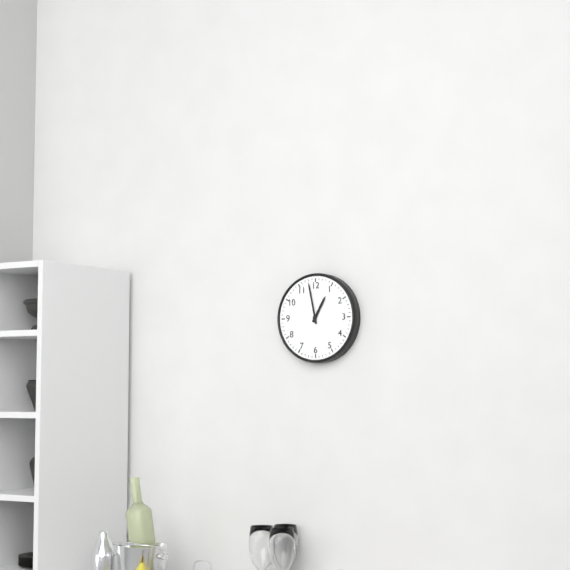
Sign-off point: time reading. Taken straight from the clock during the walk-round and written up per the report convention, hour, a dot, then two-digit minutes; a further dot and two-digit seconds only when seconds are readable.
12.58
